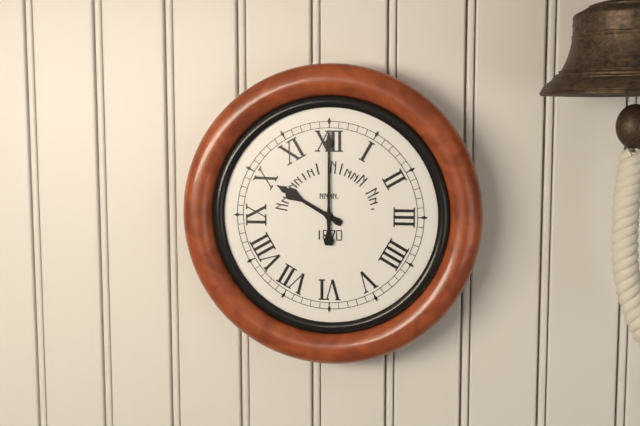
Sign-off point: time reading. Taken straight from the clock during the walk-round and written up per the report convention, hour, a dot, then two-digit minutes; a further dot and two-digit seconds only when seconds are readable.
10.00
